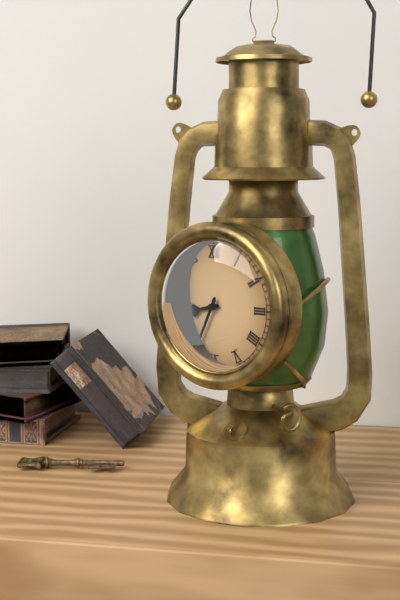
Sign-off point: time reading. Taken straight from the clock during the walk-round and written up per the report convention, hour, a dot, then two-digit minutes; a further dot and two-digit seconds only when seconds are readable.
8.34
